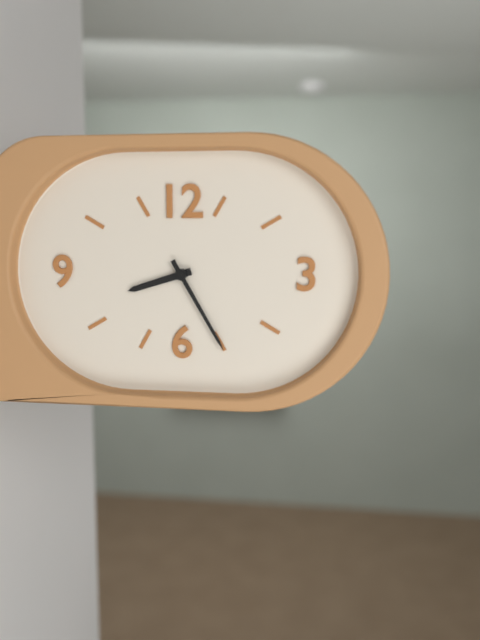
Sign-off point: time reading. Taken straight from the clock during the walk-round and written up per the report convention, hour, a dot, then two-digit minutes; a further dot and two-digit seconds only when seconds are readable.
8.25
